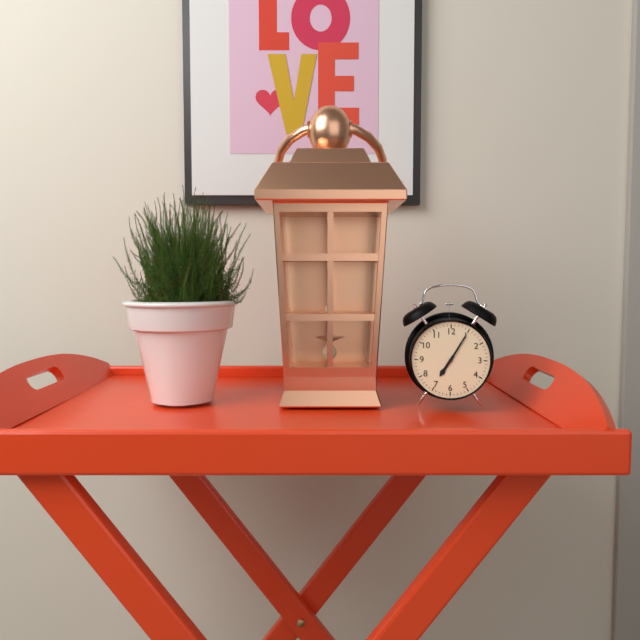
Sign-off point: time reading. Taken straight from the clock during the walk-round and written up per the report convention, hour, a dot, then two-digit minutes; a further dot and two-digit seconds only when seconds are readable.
7.05
